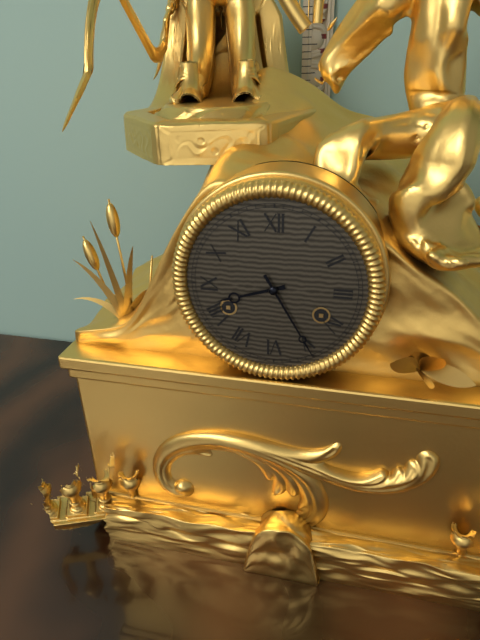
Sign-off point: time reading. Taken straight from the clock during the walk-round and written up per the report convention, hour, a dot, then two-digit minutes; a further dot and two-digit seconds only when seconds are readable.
8.25
